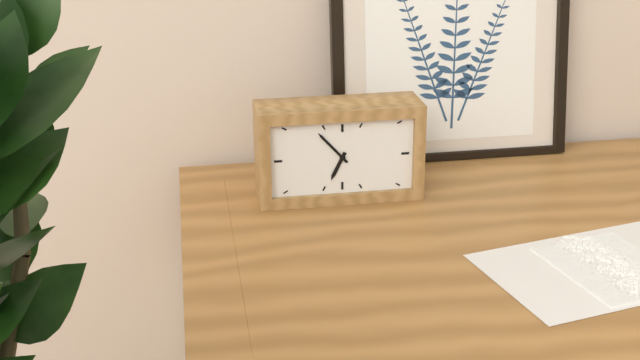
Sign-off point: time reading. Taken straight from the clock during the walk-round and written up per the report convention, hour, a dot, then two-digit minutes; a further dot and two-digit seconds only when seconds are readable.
6.53
